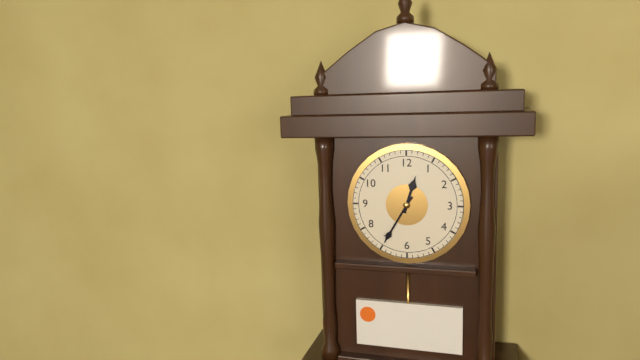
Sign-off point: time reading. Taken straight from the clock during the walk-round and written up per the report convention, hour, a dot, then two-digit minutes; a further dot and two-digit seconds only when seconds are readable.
12.35
